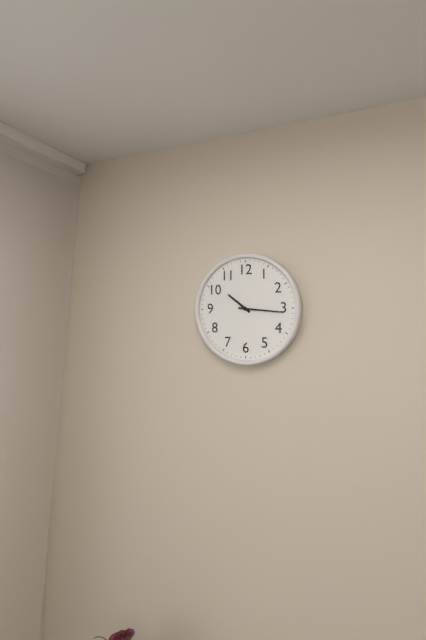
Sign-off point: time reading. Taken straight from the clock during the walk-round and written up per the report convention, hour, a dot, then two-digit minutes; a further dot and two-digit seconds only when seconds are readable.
10.16
